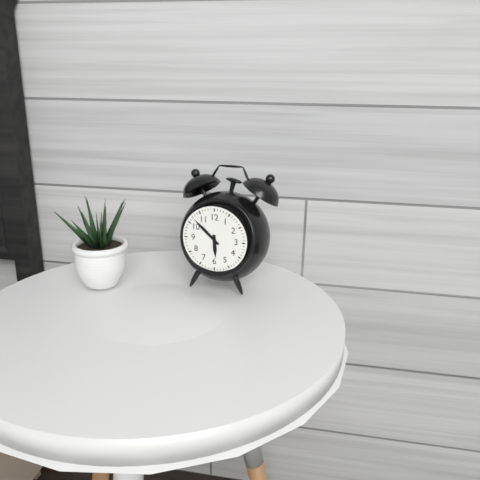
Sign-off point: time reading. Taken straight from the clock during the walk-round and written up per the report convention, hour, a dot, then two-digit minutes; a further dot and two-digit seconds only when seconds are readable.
5.52
